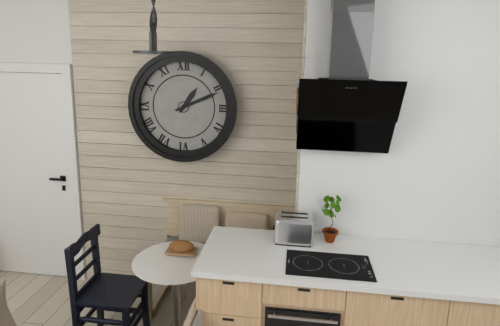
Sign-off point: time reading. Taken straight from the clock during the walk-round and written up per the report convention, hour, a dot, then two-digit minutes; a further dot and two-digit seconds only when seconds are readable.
1.11
